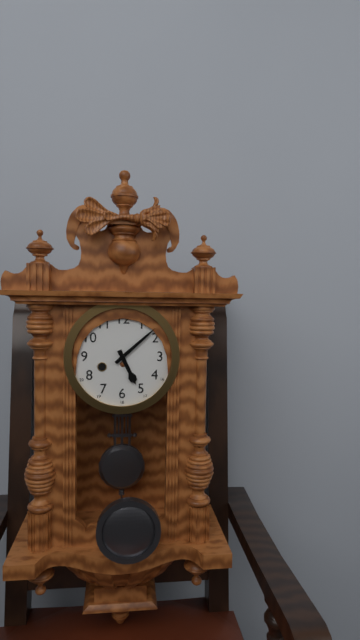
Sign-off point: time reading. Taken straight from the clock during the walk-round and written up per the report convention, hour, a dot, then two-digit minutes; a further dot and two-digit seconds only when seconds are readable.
5.08
